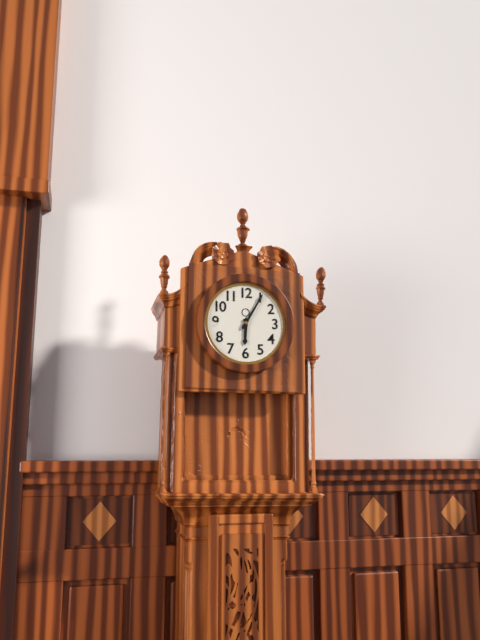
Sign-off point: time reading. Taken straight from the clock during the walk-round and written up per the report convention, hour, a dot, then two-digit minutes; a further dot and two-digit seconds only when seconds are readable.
6.05
